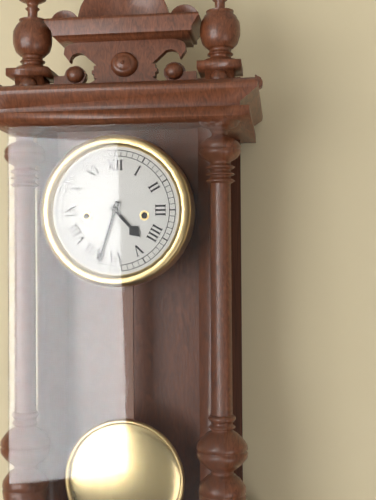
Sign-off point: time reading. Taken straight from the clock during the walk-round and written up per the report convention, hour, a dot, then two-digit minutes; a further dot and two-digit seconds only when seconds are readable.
4.33
